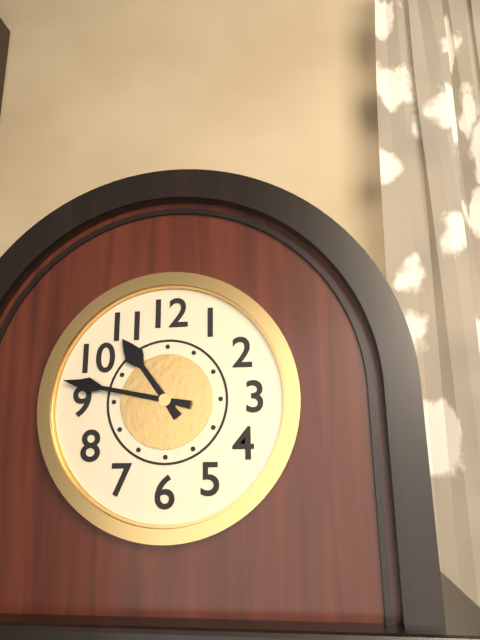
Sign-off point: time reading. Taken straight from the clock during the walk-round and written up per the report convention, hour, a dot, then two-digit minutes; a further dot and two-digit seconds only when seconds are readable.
10.47
